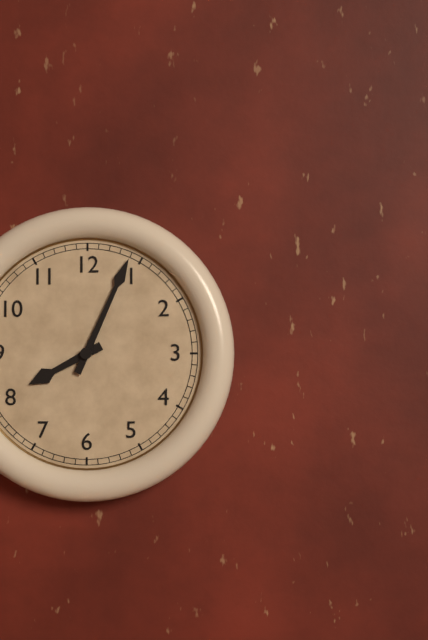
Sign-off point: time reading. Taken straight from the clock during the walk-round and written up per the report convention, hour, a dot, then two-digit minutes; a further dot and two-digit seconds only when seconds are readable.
8.04
